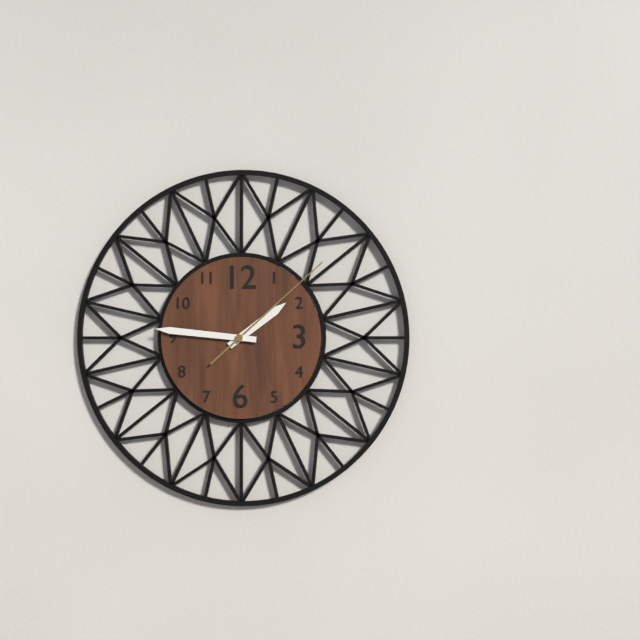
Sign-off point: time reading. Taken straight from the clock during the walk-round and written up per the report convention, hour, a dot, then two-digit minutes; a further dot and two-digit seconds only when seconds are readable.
1.46.08
